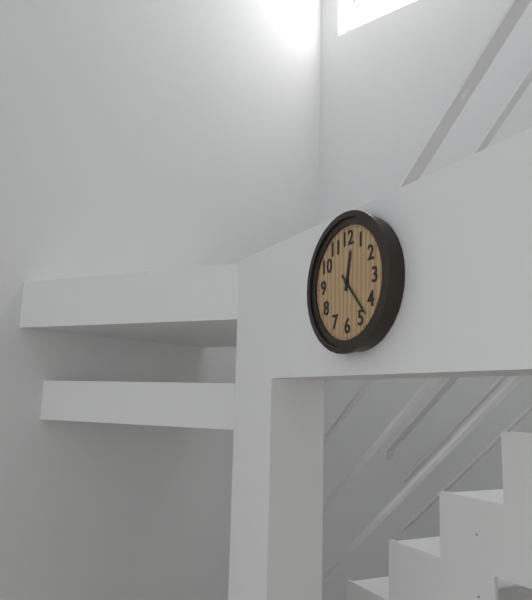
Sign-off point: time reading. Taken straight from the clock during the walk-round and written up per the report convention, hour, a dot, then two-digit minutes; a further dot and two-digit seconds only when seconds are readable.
12.23
